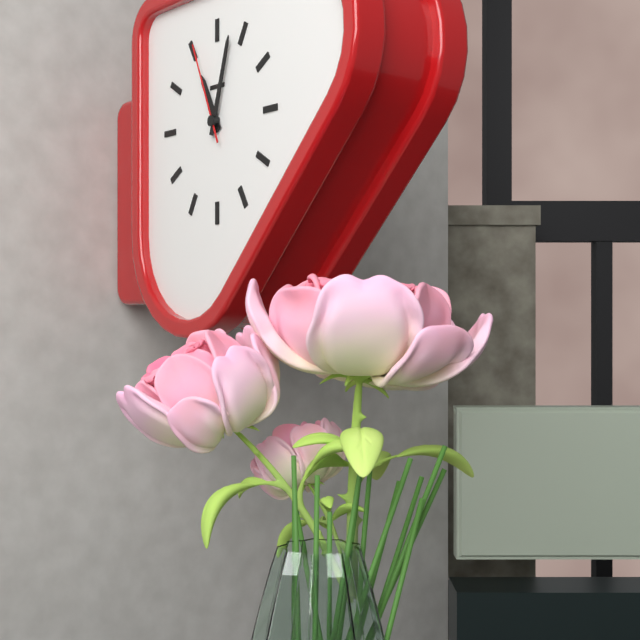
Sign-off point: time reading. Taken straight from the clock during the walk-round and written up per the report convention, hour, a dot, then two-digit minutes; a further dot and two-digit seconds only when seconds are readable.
11.03.56
